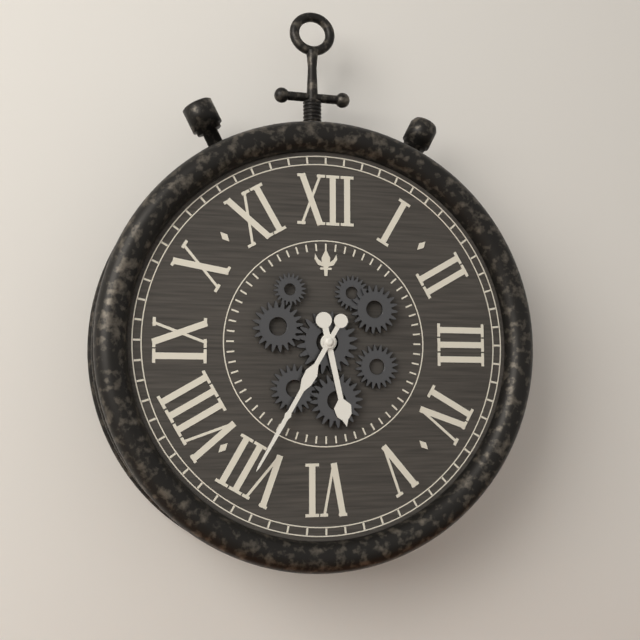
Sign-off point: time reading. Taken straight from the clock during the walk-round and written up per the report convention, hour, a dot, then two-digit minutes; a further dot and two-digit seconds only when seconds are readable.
5.35
